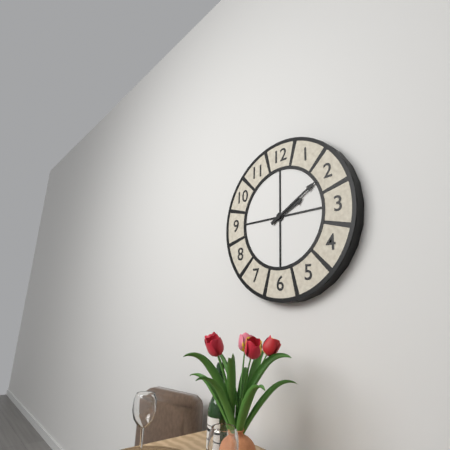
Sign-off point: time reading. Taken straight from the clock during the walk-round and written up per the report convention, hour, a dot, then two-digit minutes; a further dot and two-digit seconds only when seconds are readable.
2.10
